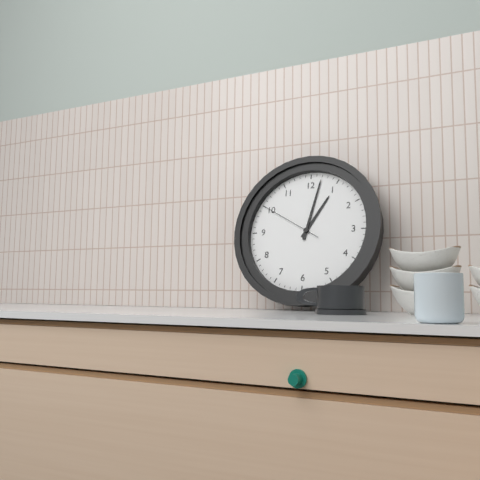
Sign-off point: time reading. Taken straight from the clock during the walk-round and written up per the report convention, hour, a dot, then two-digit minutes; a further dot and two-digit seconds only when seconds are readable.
1.02.50
